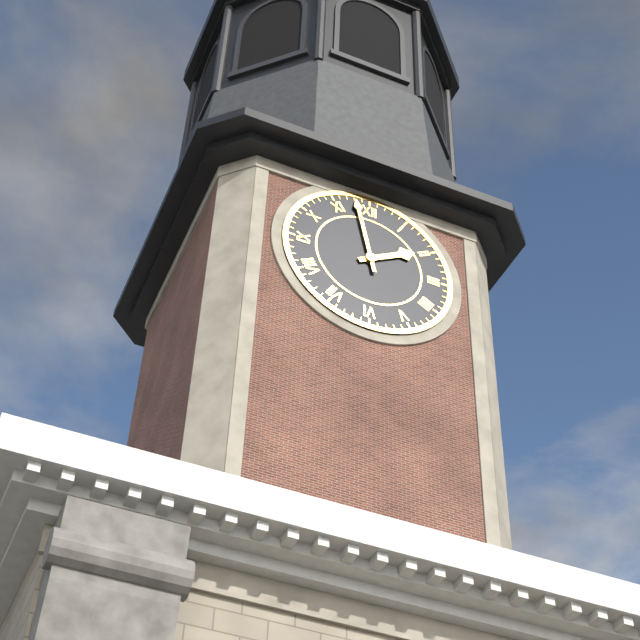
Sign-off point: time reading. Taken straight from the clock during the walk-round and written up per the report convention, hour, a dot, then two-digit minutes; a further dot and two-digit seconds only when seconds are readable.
1.58
